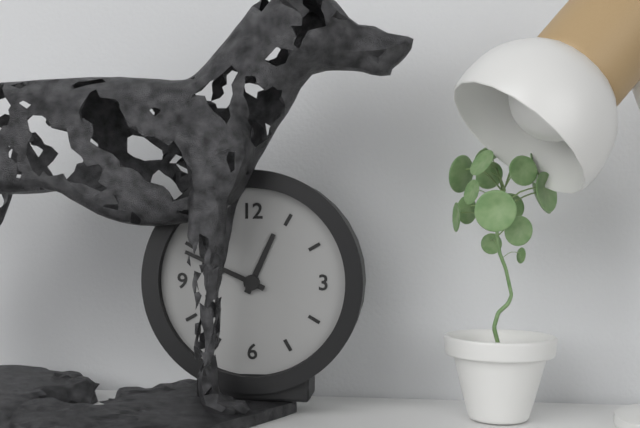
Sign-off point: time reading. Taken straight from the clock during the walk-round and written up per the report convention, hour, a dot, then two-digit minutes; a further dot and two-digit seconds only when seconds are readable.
12.49
